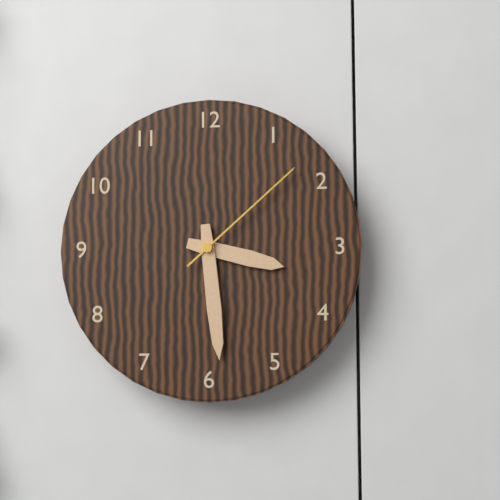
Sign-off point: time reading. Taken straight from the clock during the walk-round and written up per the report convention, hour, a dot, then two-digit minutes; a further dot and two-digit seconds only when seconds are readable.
3.29.08
